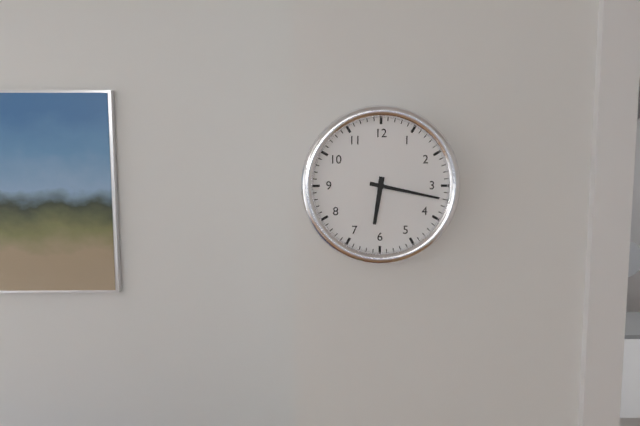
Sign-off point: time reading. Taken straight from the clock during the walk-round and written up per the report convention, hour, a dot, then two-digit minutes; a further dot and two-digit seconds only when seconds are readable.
6.17
